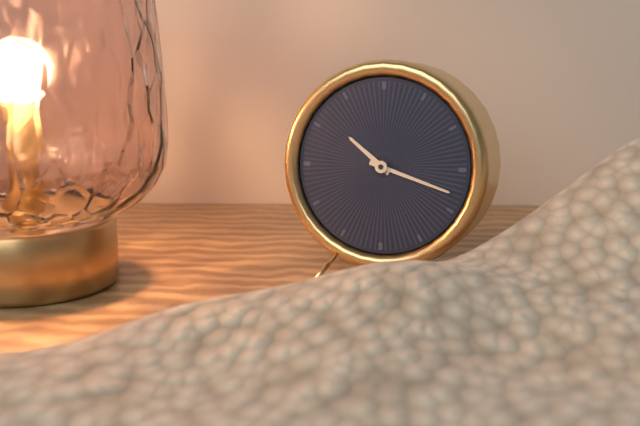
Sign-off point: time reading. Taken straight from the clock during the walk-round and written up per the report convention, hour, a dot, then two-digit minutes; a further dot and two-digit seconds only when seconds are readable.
10.18
